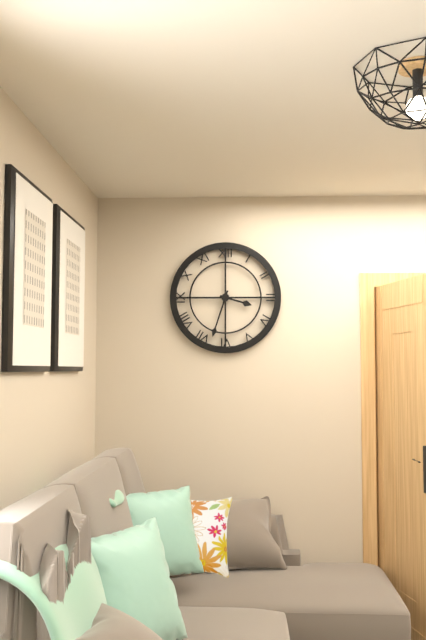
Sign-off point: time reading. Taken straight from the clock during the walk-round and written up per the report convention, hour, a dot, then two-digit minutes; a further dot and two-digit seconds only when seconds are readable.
3.33
